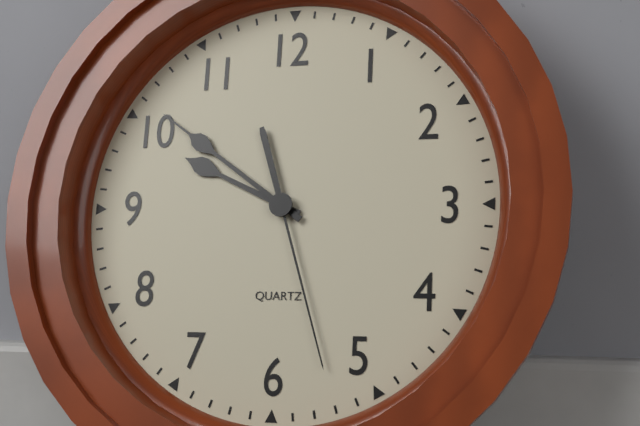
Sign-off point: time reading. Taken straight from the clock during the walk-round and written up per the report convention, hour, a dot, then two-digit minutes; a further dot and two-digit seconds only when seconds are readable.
9.51.27
